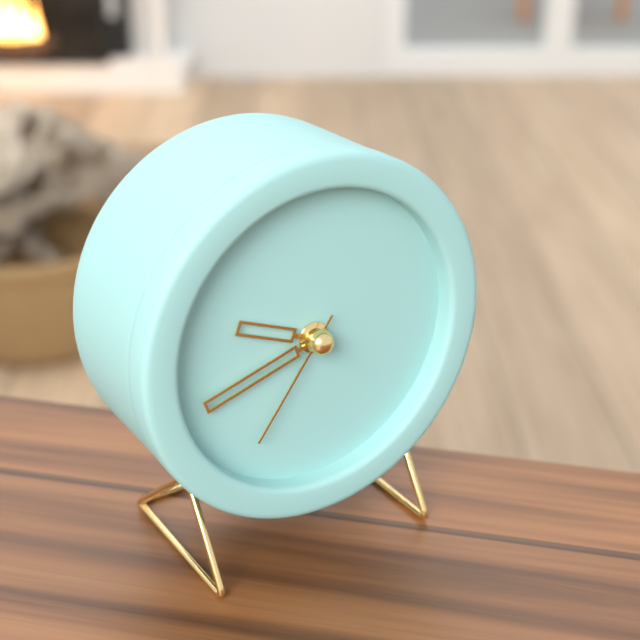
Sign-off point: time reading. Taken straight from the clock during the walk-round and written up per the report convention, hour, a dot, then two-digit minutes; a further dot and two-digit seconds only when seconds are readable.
9.42.36
